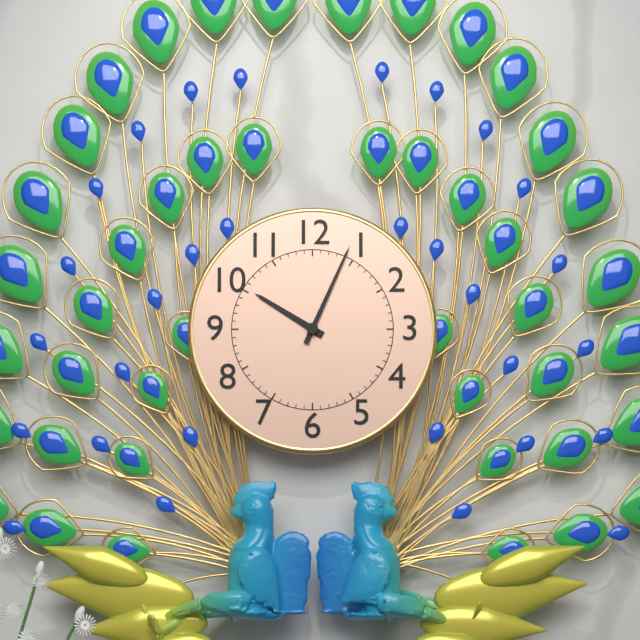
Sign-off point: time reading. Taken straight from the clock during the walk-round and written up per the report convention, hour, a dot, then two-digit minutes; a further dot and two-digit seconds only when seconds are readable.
10.04
